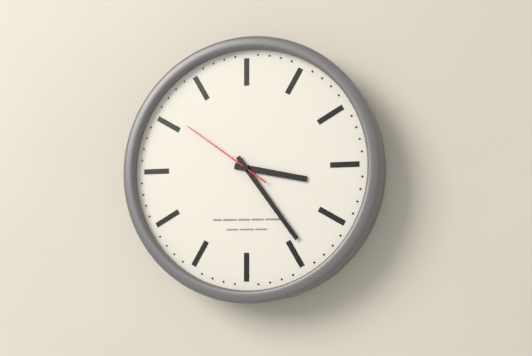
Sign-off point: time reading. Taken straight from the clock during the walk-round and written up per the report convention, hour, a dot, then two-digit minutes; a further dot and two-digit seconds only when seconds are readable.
3.24.51
